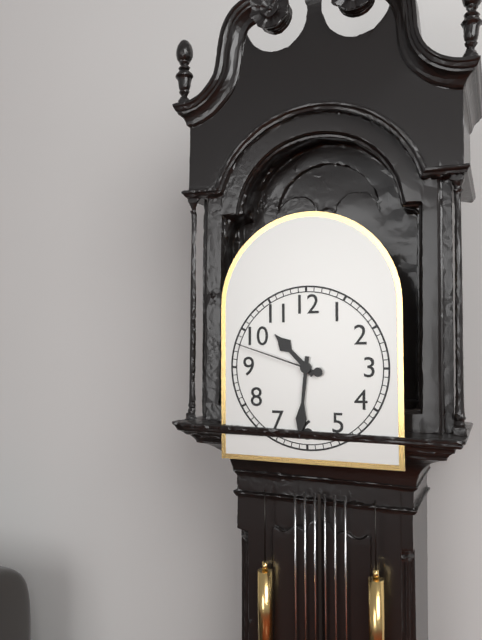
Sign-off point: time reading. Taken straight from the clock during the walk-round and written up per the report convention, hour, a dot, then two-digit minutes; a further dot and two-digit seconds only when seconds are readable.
10.31.48
